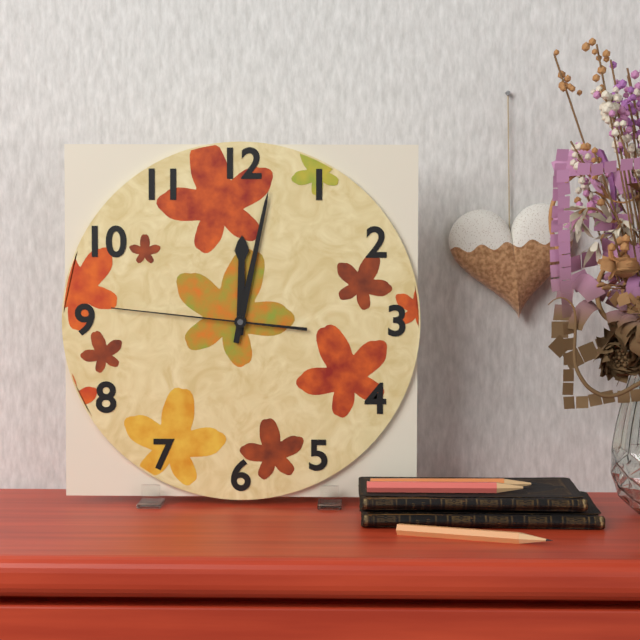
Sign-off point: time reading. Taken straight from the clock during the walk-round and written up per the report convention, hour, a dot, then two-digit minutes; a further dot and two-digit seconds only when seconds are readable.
12.02.46
